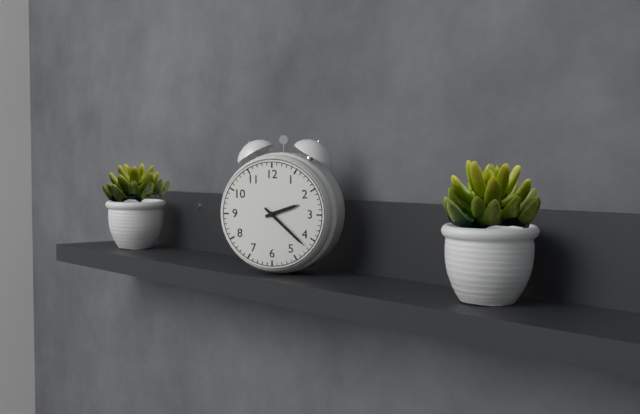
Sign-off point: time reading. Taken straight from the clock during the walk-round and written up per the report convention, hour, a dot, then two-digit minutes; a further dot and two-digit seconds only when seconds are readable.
2.22
